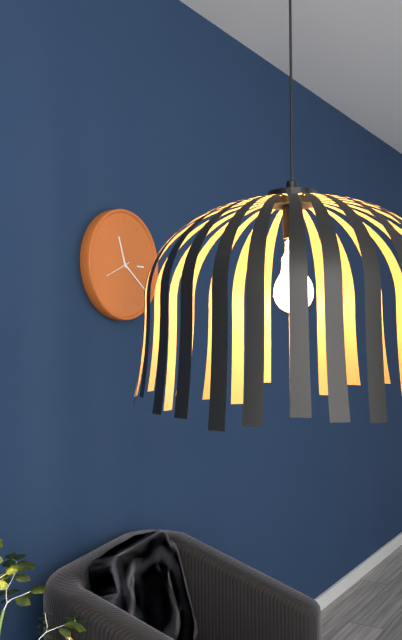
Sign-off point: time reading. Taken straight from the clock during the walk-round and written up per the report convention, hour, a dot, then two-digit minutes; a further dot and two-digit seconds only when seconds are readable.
11.21
